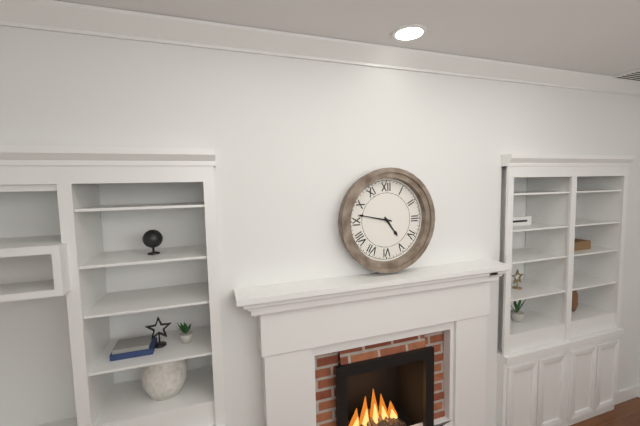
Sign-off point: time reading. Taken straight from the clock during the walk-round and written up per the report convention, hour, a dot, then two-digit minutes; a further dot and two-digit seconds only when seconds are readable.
4.47
